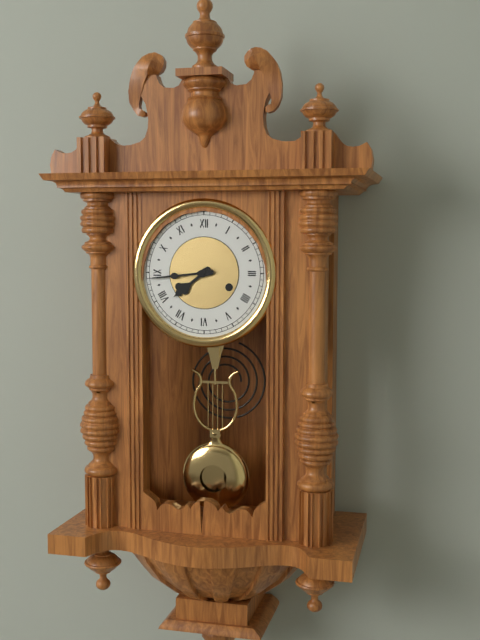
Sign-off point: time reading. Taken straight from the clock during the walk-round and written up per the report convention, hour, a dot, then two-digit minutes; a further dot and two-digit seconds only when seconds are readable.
7.44
